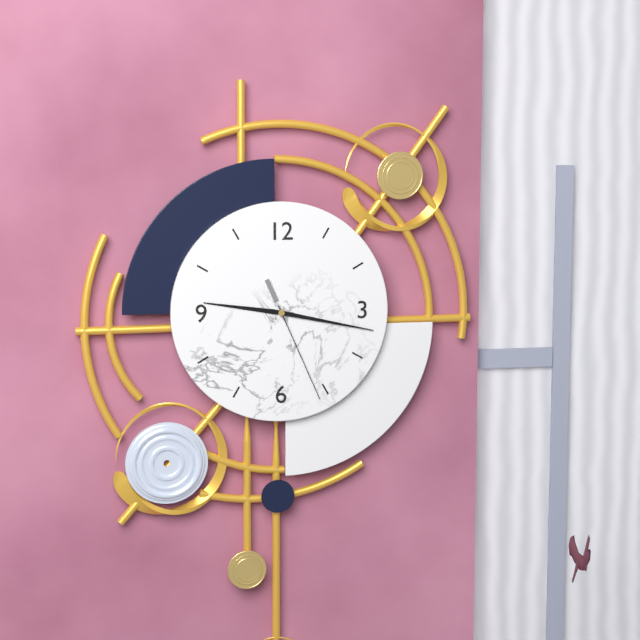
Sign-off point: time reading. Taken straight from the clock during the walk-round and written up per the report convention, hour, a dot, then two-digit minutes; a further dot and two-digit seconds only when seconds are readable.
9.17.26
